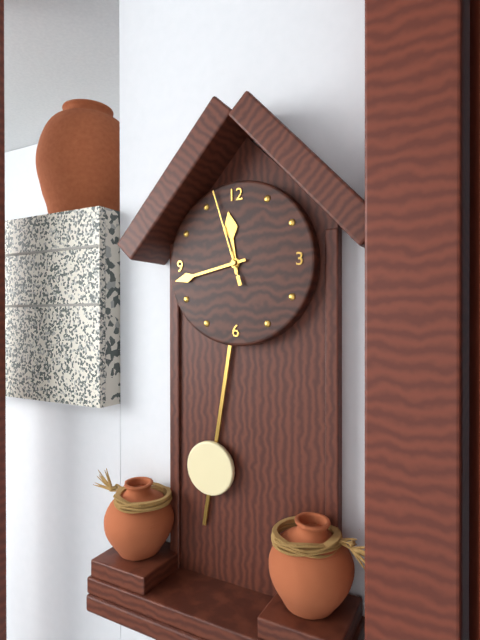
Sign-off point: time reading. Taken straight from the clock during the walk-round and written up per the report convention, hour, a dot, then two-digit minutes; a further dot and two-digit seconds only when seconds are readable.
11.43.57
